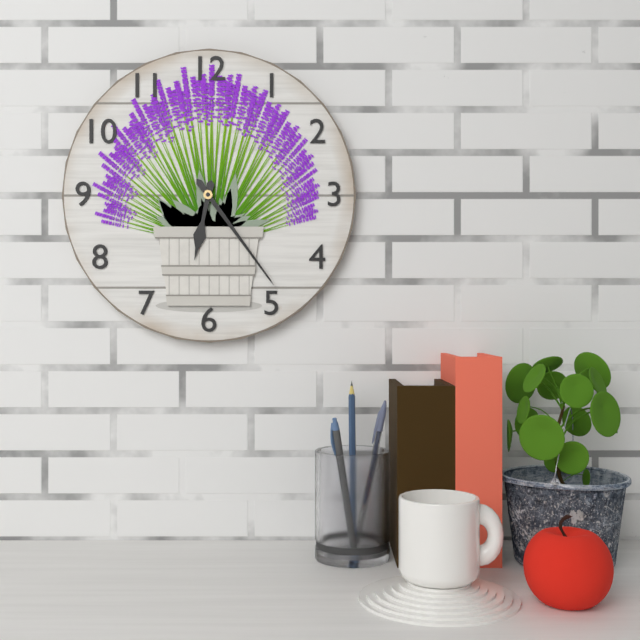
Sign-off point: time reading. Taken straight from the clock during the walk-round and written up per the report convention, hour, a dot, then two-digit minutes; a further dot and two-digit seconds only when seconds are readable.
6.24
